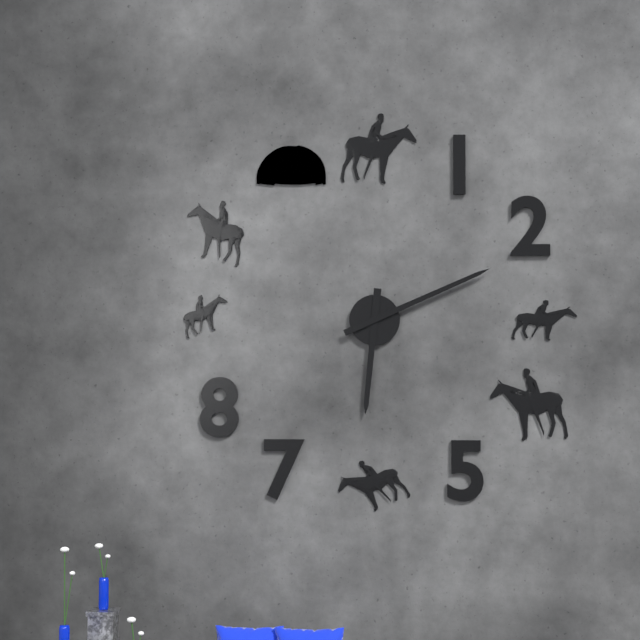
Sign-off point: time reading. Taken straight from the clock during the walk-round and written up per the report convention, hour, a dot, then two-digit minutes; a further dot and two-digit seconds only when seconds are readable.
6.11
